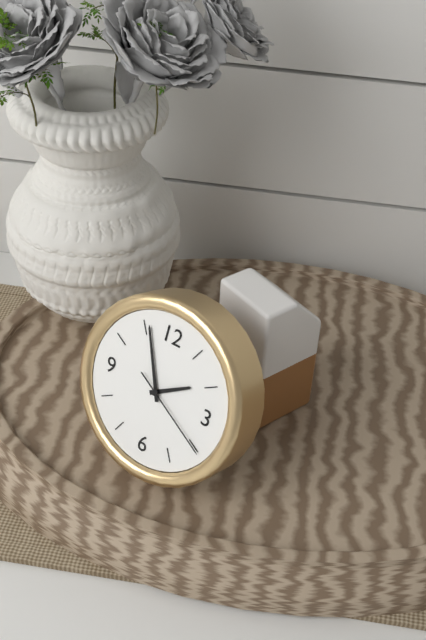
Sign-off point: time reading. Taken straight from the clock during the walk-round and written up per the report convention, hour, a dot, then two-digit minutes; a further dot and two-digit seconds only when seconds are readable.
1.56.20
